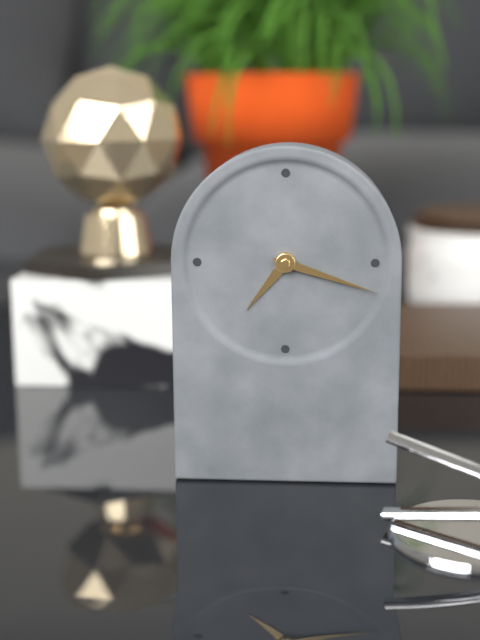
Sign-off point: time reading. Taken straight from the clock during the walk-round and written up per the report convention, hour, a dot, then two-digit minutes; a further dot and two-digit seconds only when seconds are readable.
7.18
